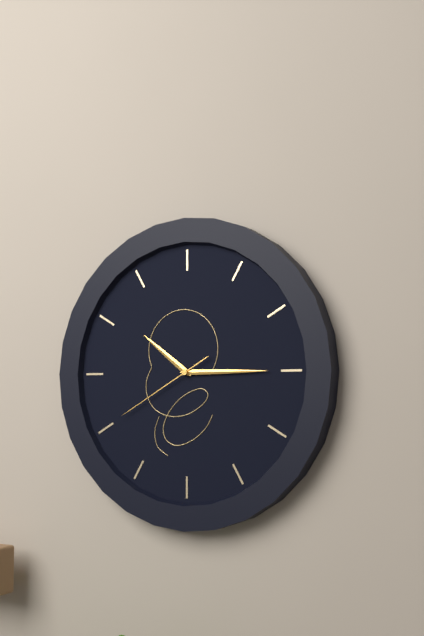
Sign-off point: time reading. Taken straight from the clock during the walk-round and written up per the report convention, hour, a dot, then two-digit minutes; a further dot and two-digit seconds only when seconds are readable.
10.15.40
